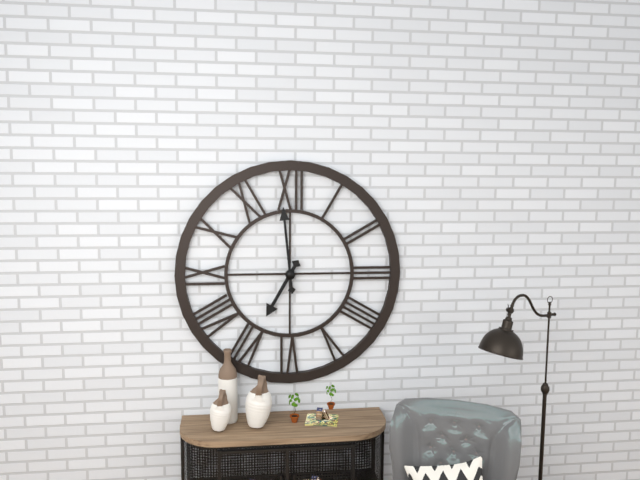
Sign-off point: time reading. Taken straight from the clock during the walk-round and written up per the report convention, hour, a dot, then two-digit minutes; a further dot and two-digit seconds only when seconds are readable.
6.59
